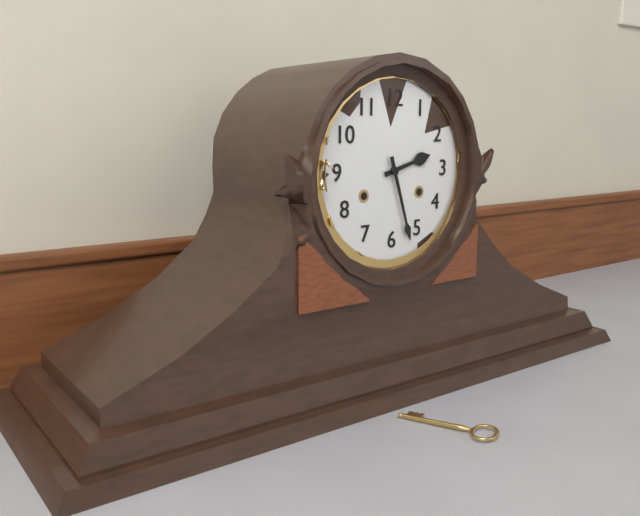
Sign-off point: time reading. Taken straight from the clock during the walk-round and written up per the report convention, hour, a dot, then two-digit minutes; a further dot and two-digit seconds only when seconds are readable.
2.27
